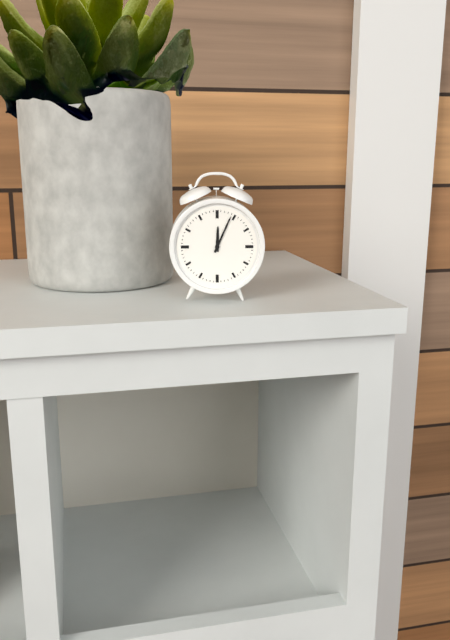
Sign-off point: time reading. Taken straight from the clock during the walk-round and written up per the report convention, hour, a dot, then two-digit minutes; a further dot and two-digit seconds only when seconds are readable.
12.04
